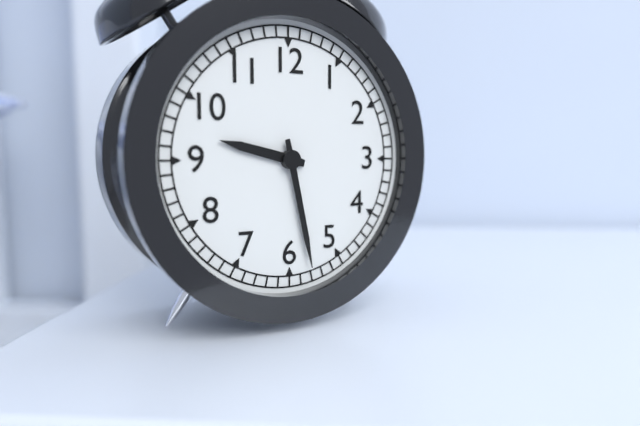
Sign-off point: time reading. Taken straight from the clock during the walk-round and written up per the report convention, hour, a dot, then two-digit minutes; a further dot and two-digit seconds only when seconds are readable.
9.28
